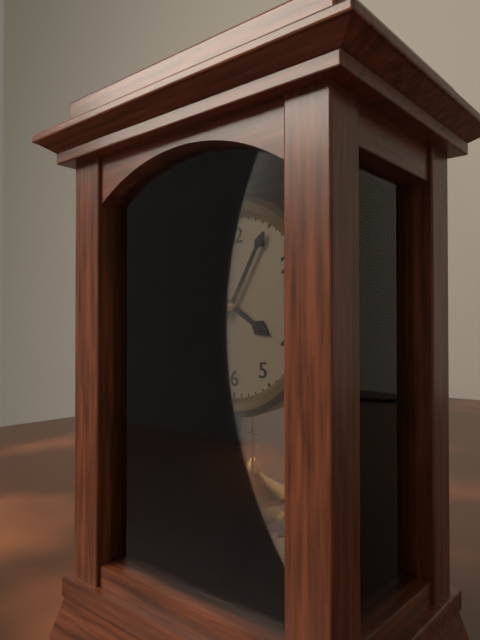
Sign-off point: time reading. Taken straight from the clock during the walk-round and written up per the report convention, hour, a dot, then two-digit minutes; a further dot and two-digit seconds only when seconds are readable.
4.05
